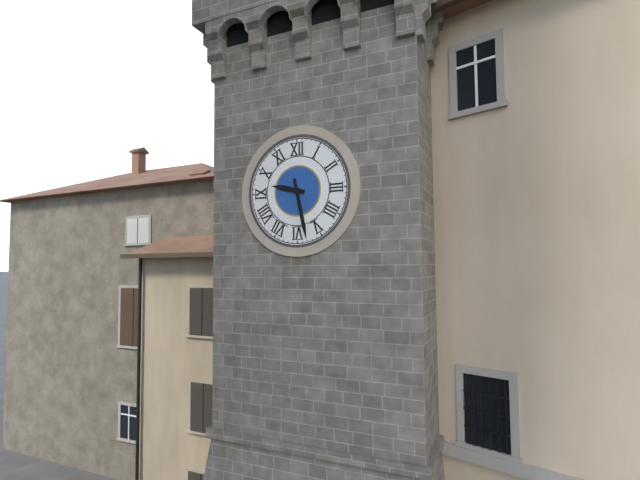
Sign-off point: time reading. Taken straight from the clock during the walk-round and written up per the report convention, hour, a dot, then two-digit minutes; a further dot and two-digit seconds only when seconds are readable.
9.28
